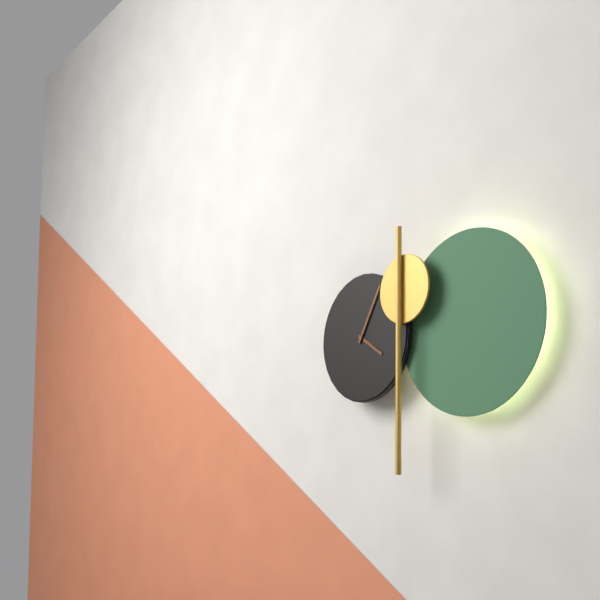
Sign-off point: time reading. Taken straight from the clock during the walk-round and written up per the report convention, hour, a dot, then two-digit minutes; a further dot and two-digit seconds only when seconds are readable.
4.05
